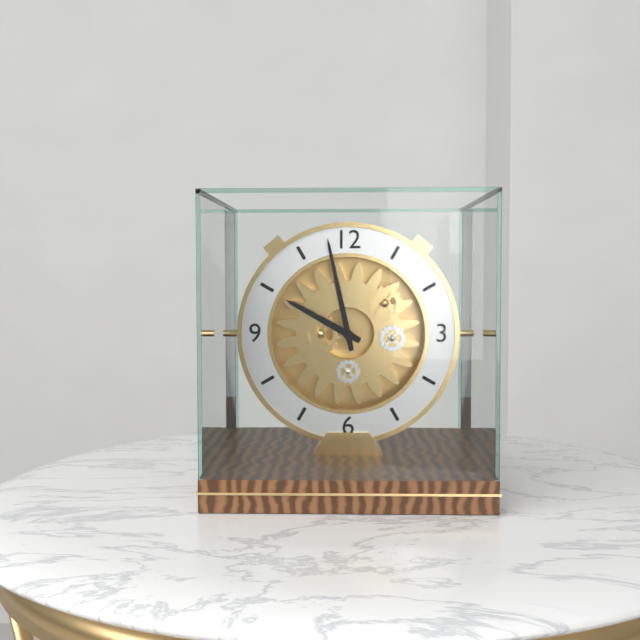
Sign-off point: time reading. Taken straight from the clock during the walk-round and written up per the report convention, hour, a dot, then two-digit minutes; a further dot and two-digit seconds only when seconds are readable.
9.58
